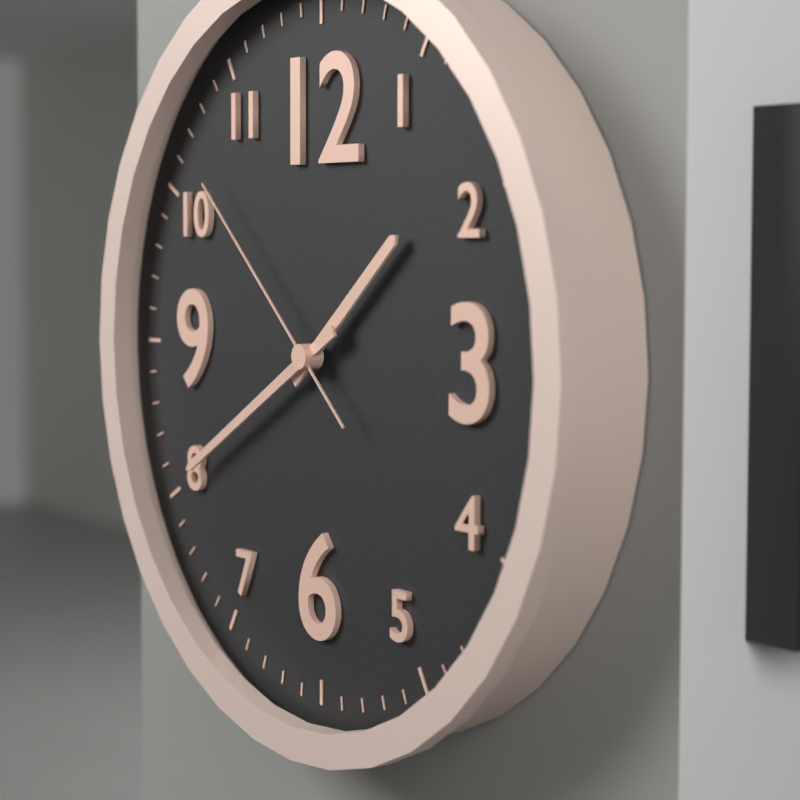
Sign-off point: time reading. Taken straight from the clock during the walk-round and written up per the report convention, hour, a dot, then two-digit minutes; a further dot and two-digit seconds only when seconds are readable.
1.40.52
